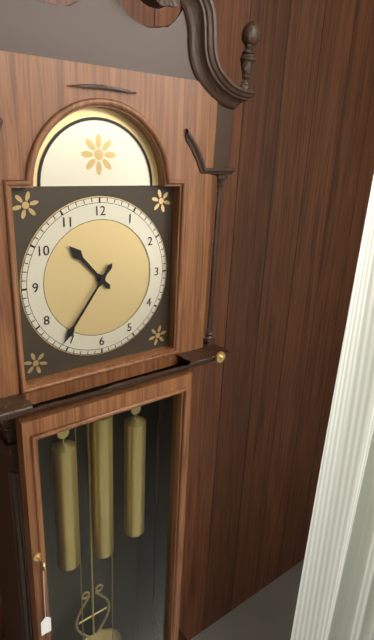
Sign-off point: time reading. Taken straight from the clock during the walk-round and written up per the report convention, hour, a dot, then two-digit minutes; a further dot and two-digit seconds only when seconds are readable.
10.36
